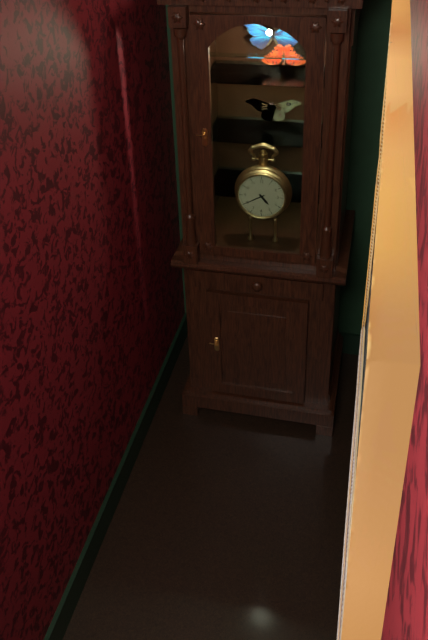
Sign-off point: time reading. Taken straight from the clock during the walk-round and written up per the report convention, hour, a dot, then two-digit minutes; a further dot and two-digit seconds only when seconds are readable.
4.40
